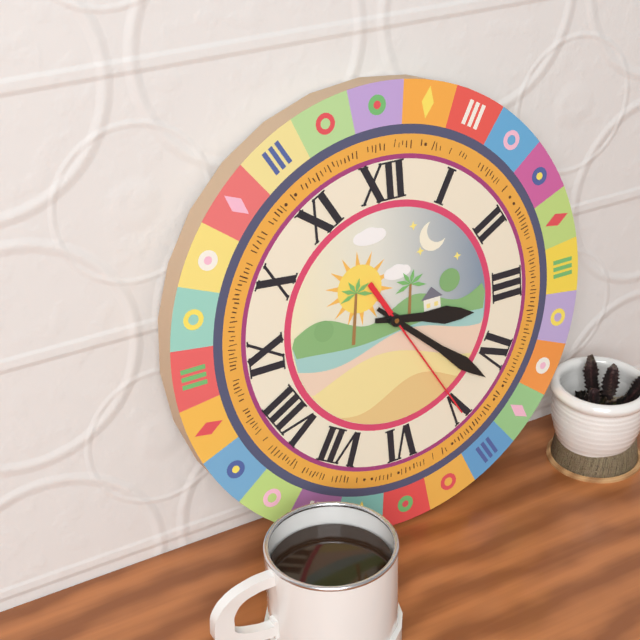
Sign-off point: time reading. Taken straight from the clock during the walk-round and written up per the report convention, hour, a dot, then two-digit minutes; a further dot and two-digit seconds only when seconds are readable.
3.22.25
